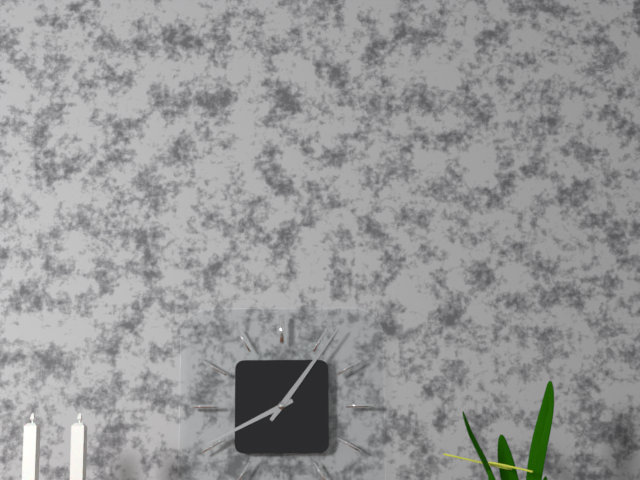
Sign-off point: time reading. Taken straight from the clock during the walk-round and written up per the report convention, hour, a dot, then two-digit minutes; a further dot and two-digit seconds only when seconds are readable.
8.06
